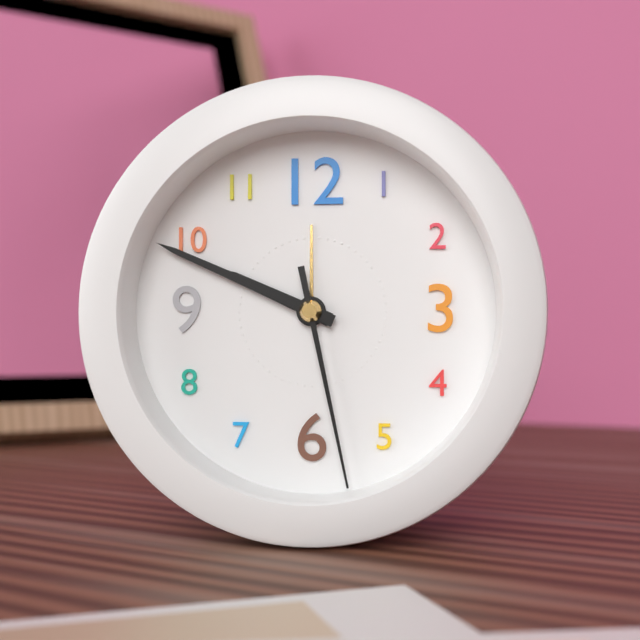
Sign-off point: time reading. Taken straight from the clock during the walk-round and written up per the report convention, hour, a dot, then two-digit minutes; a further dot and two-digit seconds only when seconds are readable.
9.49.28
